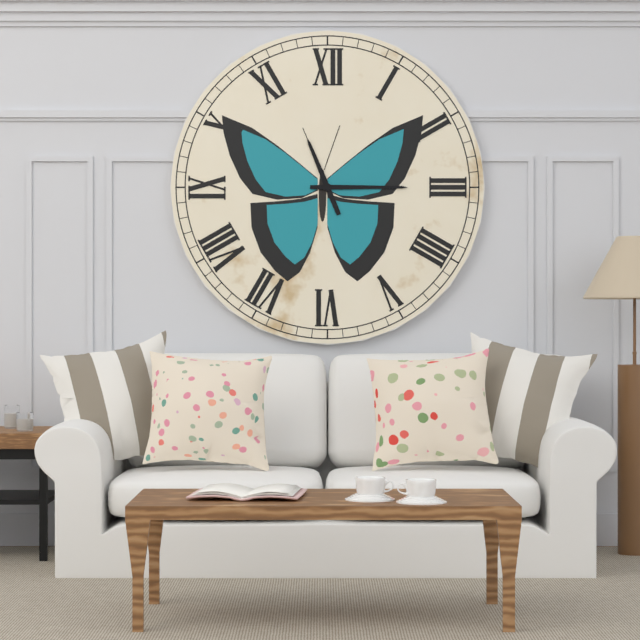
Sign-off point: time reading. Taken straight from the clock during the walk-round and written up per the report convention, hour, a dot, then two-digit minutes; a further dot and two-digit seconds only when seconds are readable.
11.15
